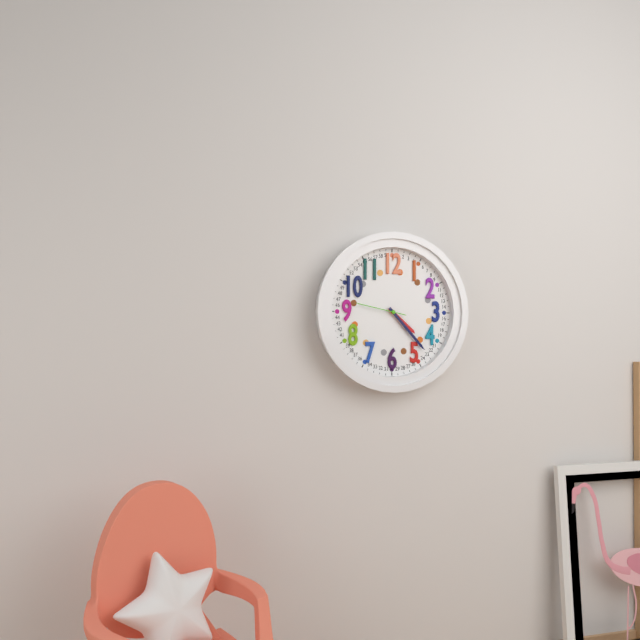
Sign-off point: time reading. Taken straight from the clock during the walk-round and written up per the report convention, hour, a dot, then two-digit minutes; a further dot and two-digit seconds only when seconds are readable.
4.23
